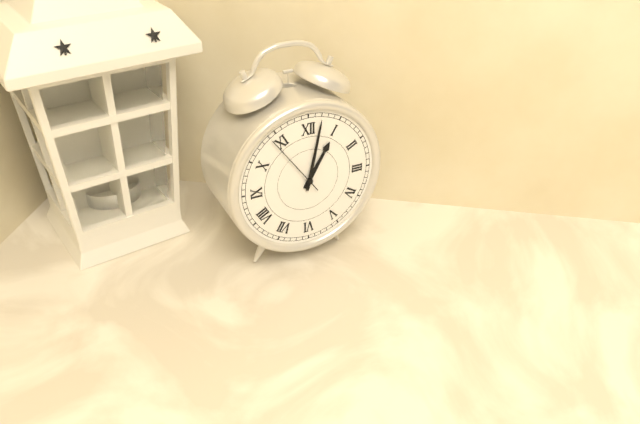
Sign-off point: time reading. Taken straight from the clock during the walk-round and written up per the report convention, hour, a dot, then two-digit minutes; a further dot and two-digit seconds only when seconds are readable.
1.02.54
